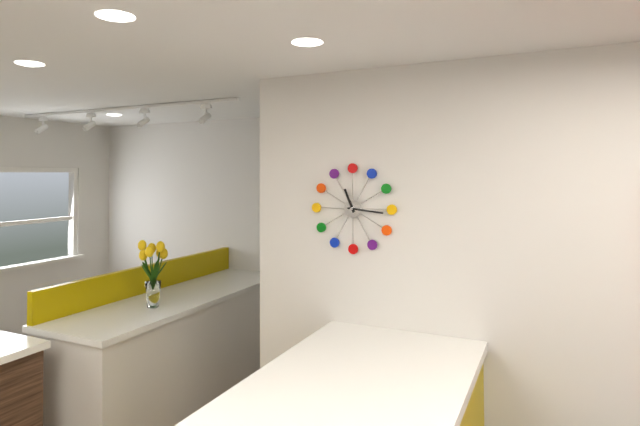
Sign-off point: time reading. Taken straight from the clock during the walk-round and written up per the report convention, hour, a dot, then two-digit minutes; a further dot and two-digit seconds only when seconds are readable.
11.16
